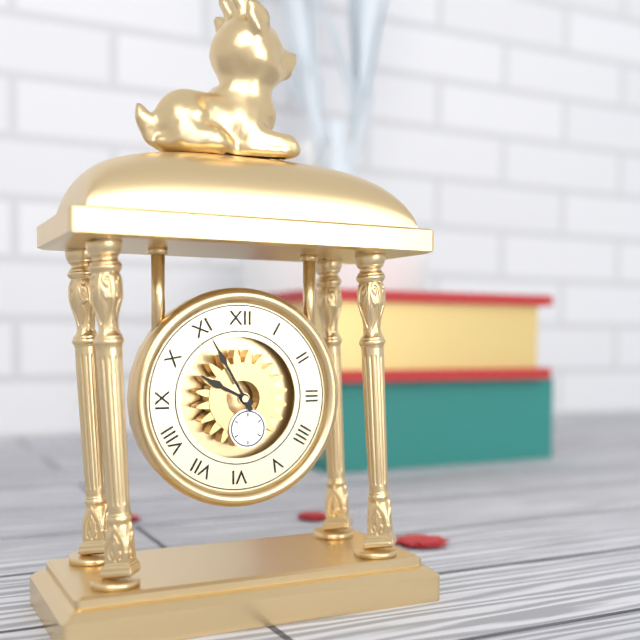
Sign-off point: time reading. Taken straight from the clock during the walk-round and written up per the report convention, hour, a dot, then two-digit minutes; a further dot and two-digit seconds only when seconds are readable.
9.55
